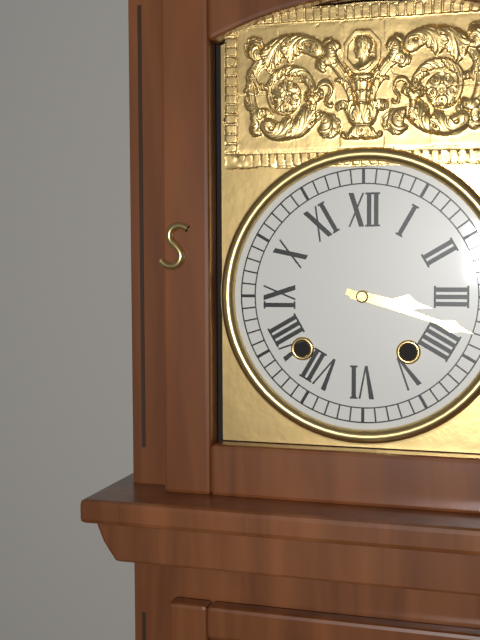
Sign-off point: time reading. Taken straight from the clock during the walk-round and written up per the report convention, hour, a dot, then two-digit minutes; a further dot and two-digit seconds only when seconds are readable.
3.18
